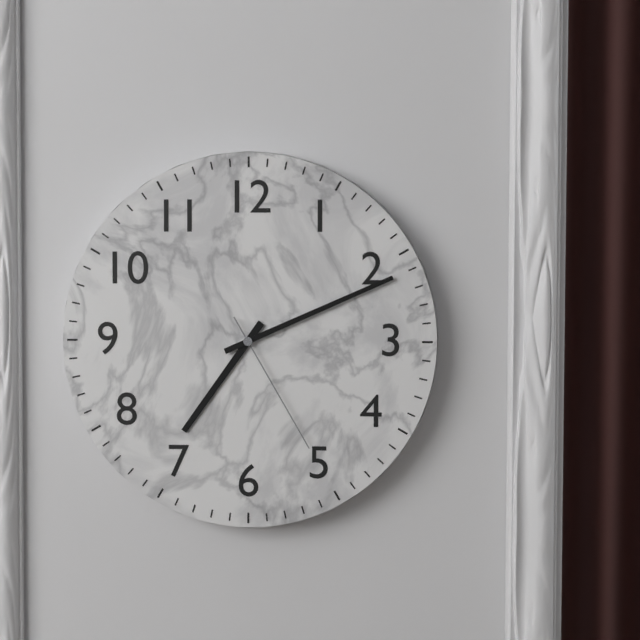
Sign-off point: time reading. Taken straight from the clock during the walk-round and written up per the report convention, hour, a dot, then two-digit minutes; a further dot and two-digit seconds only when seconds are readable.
7.11.25
